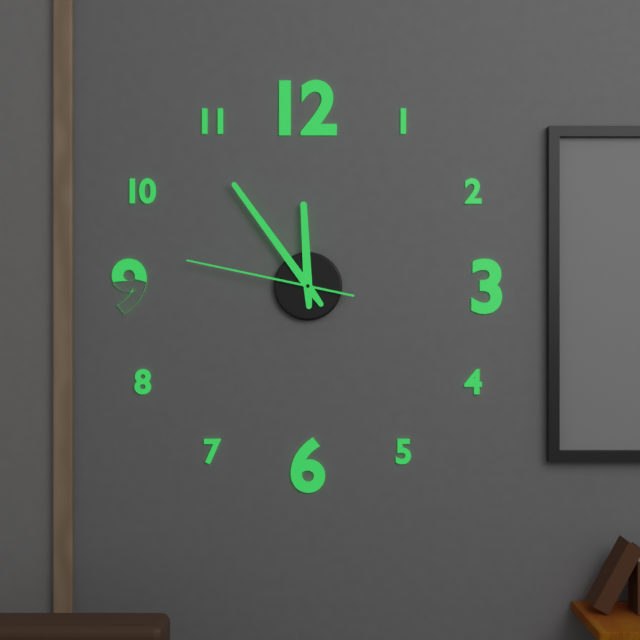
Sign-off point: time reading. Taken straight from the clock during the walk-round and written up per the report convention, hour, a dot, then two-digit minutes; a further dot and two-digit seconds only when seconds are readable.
11.54.47
